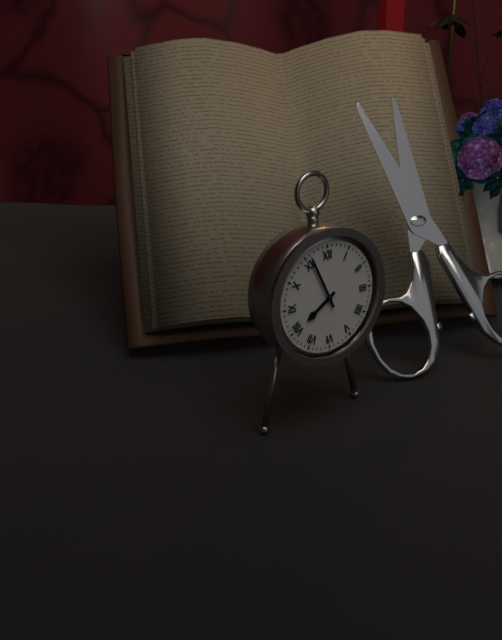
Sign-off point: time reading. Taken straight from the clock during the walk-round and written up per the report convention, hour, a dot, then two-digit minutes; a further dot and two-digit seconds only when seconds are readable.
7.56
